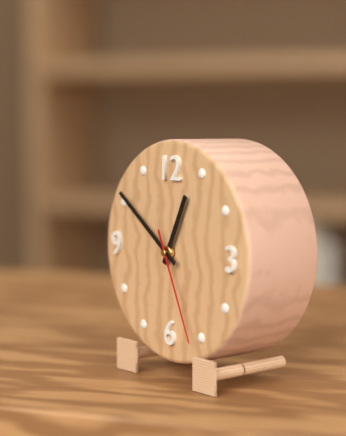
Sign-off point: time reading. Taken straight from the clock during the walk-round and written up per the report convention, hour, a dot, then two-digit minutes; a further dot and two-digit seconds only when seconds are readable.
12.51.26
